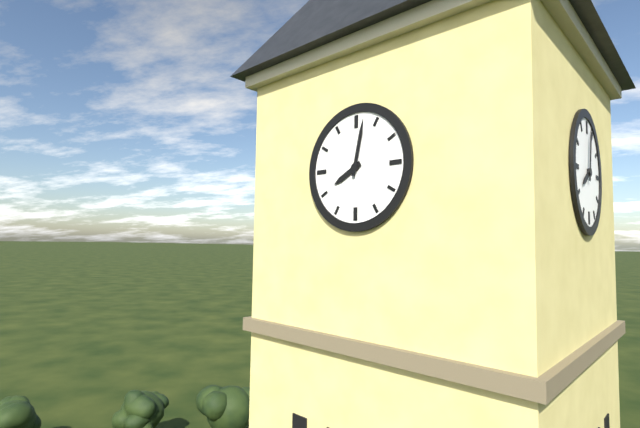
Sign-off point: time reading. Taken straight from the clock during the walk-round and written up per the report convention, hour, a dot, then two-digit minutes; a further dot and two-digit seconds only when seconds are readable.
8.02
